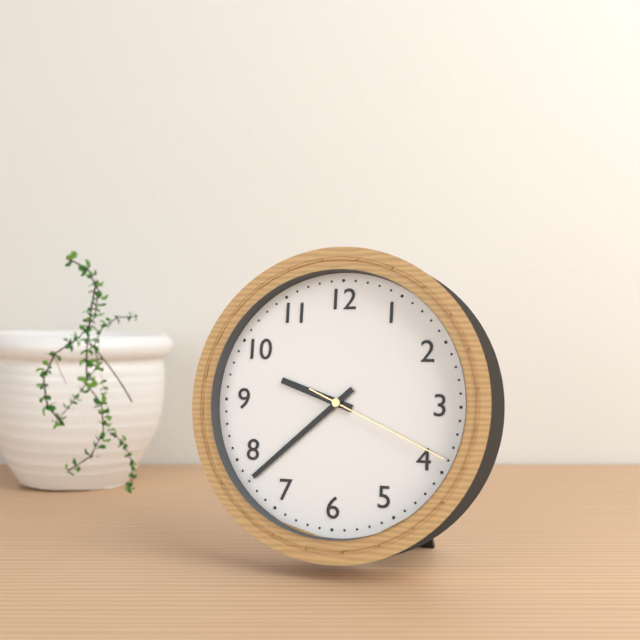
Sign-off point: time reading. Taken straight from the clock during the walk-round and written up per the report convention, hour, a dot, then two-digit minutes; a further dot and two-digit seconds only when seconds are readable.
9.38.19
